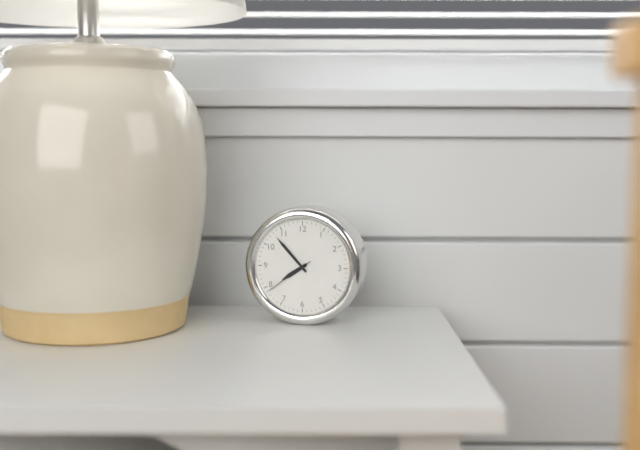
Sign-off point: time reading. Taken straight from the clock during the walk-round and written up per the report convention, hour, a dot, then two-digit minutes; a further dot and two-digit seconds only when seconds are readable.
7.53.39
